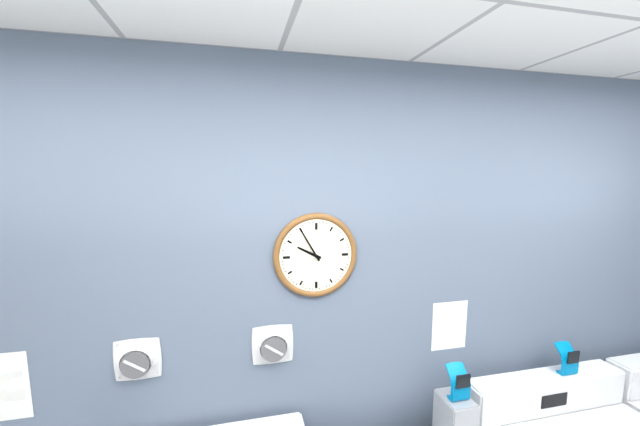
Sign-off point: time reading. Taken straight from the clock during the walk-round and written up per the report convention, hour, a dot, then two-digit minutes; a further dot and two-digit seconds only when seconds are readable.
9.55
